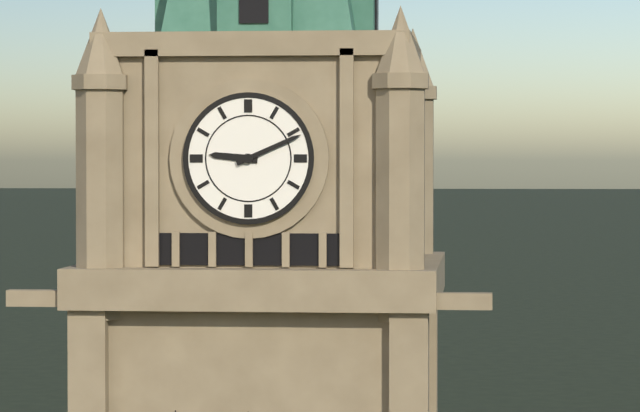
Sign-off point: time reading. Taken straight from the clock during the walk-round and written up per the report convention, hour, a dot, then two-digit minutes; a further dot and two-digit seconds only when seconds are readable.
9.11
